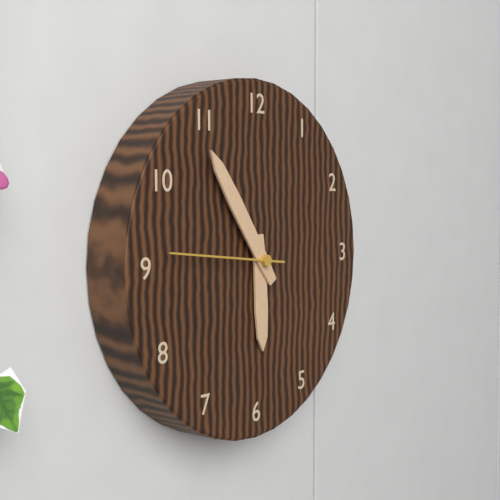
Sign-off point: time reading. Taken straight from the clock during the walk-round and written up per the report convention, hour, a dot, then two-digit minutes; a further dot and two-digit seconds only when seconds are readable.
5.54.46
